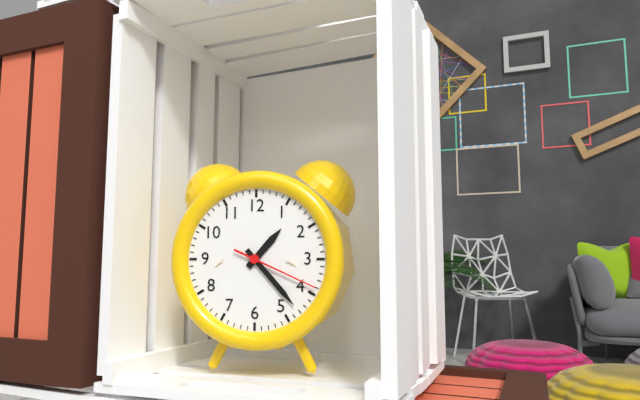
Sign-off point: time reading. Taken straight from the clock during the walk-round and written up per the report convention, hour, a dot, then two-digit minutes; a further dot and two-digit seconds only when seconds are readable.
1.23.19
